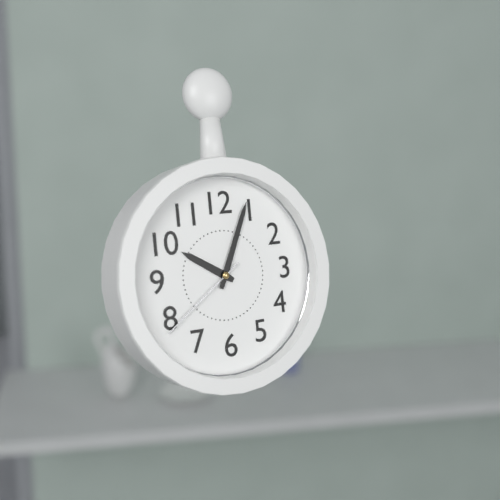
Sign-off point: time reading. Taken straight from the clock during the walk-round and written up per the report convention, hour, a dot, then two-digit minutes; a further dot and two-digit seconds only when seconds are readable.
10.04.39
